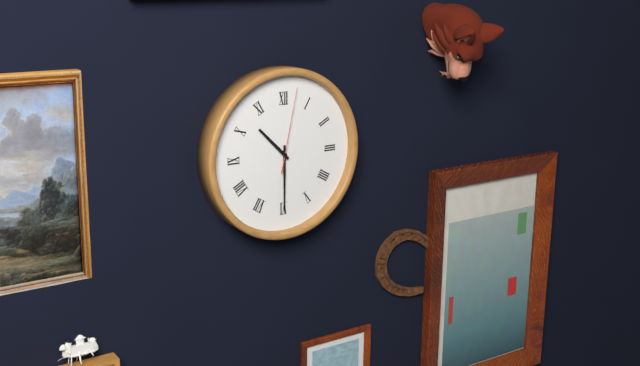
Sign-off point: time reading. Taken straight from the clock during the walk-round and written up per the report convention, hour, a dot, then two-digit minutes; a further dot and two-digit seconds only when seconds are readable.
10.30.02
